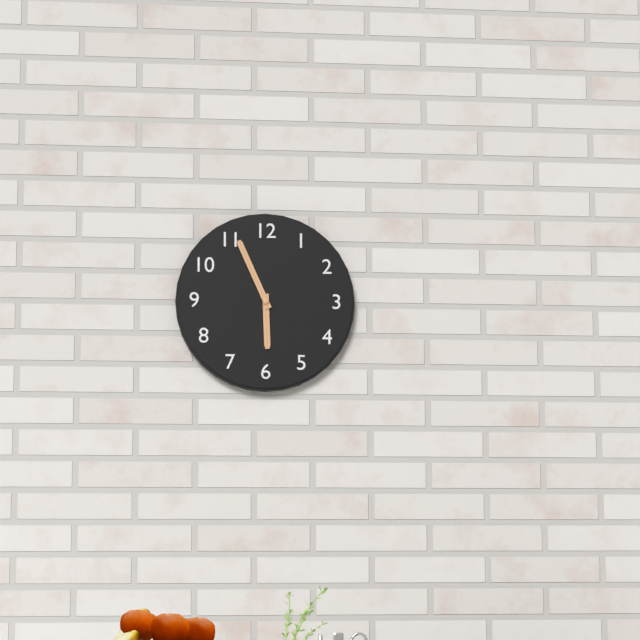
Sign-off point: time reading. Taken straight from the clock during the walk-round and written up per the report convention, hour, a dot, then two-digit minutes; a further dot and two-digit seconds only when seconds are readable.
5.56
